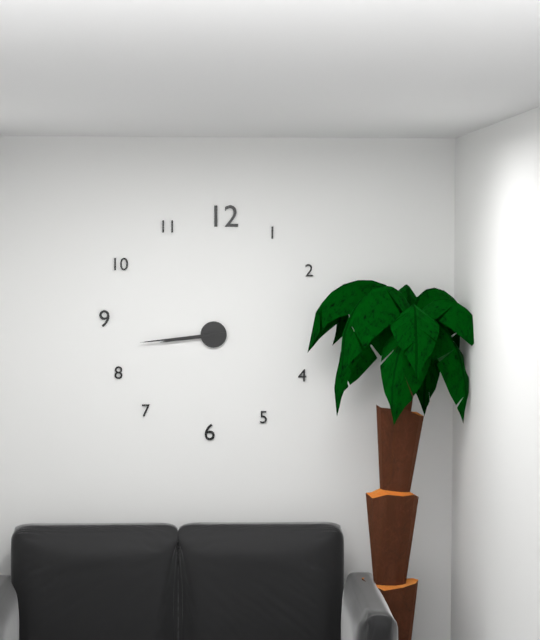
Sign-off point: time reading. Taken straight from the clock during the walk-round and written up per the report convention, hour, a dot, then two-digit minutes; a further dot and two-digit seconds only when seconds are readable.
8.44
